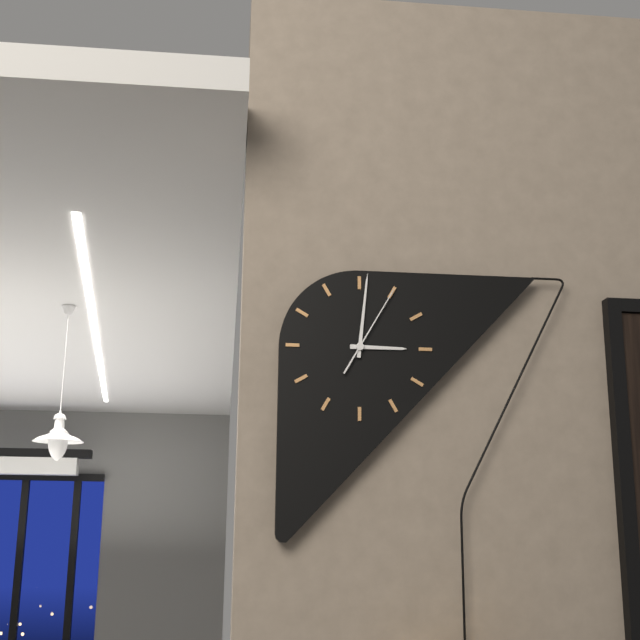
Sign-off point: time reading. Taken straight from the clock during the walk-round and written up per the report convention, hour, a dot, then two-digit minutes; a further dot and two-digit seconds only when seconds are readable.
3.01.05
